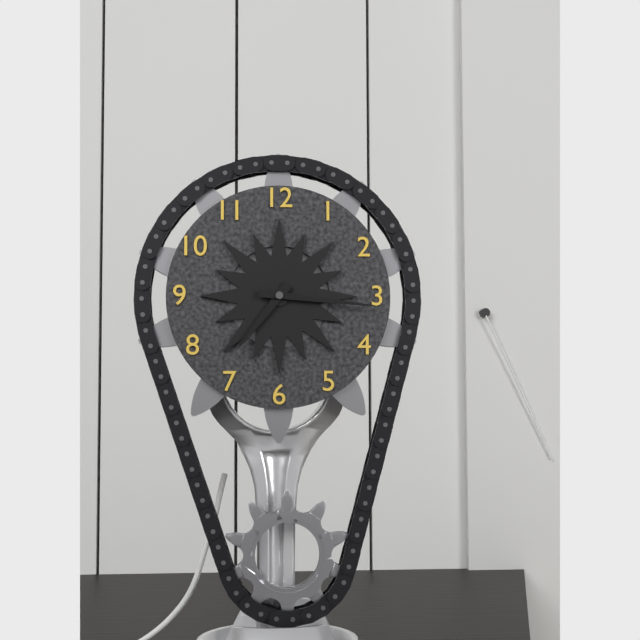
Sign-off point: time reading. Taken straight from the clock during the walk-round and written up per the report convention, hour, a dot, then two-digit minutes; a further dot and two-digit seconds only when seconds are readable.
7.16
